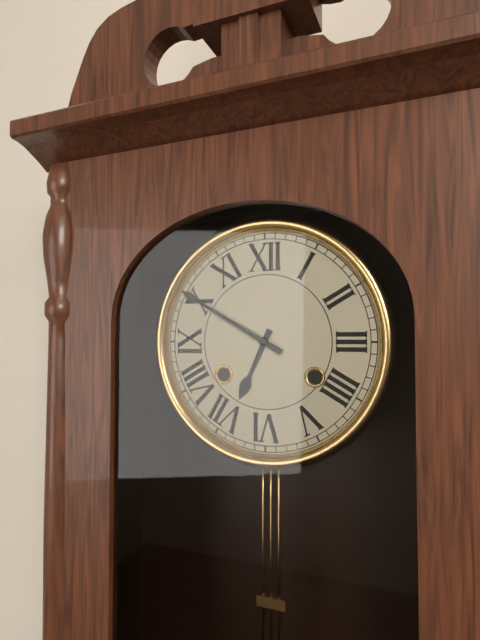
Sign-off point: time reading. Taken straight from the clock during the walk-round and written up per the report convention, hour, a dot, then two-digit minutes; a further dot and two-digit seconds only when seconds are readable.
6.50
